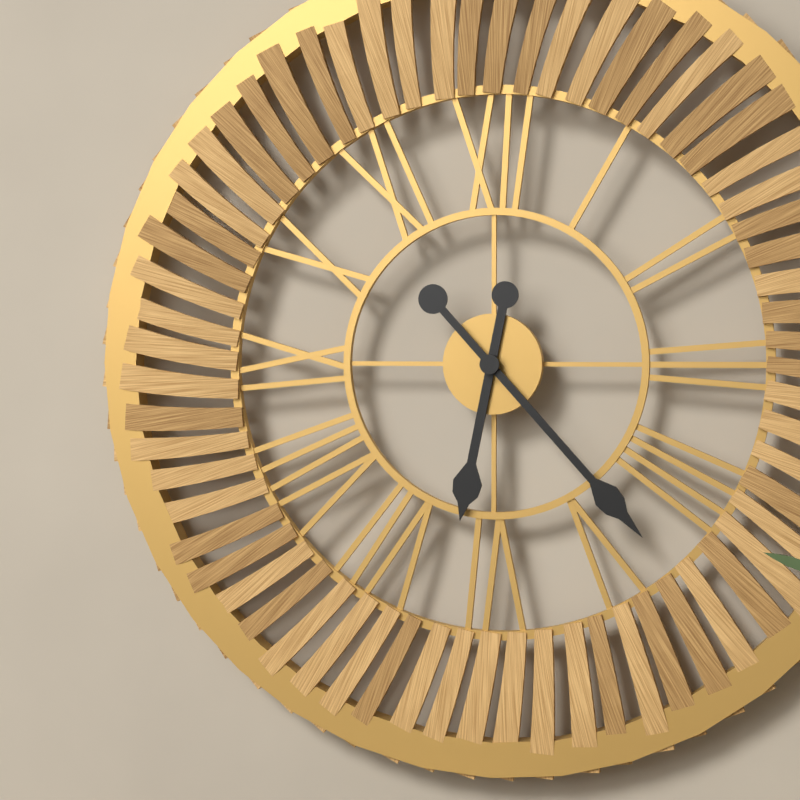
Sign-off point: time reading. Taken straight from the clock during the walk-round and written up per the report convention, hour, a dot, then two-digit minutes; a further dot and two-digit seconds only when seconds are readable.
6.23
